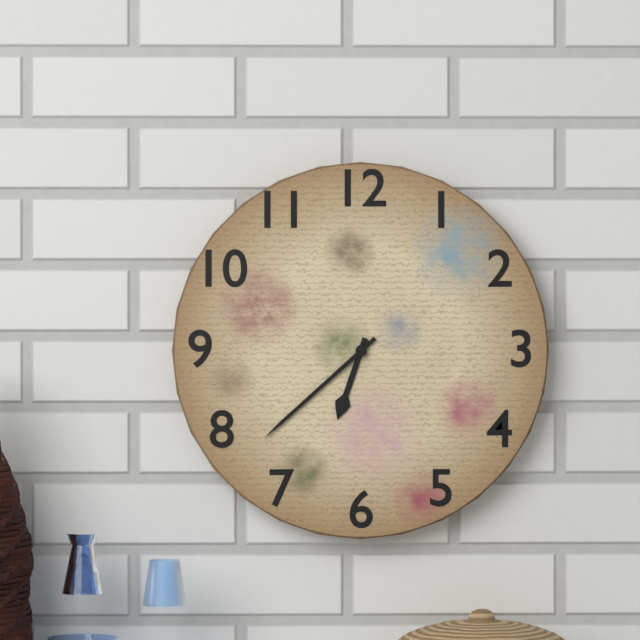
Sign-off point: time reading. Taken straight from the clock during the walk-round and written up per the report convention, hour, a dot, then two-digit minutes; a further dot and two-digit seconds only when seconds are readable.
6.38
